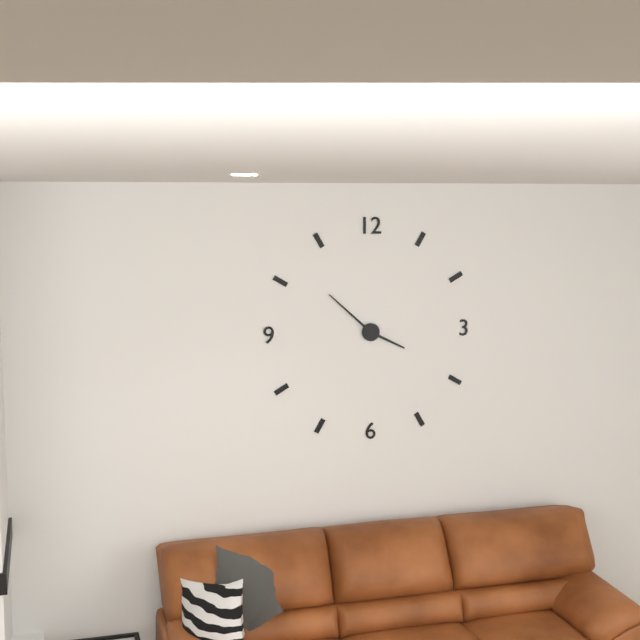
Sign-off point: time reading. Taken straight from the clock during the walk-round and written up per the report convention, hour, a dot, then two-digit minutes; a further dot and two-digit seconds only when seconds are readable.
3.52
